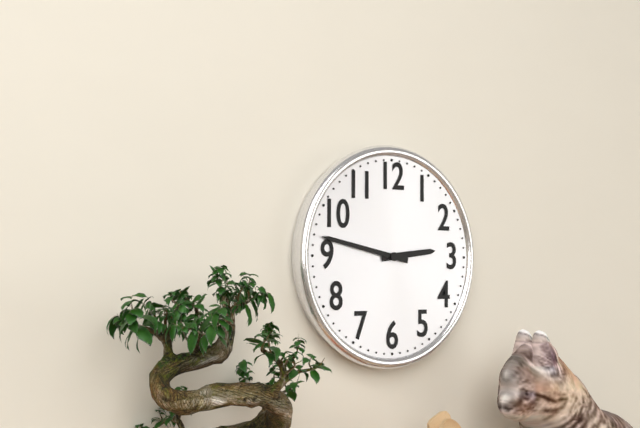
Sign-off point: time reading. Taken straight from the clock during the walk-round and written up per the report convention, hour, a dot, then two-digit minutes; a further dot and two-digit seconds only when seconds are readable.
2.47
